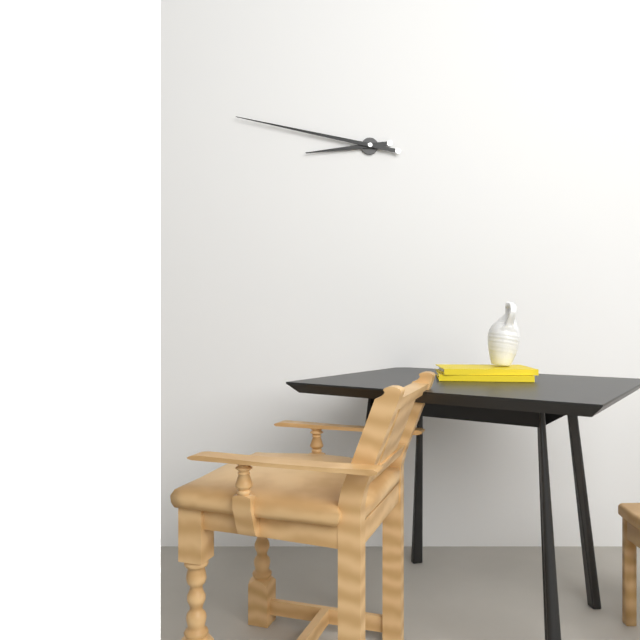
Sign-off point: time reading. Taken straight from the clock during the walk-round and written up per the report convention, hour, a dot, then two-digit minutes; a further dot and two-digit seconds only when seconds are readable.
8.47
